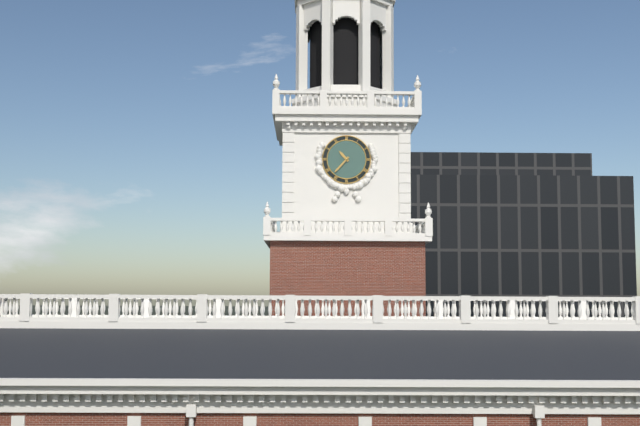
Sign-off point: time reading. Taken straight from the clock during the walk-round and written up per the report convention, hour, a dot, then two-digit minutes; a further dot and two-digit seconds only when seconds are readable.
10.37
